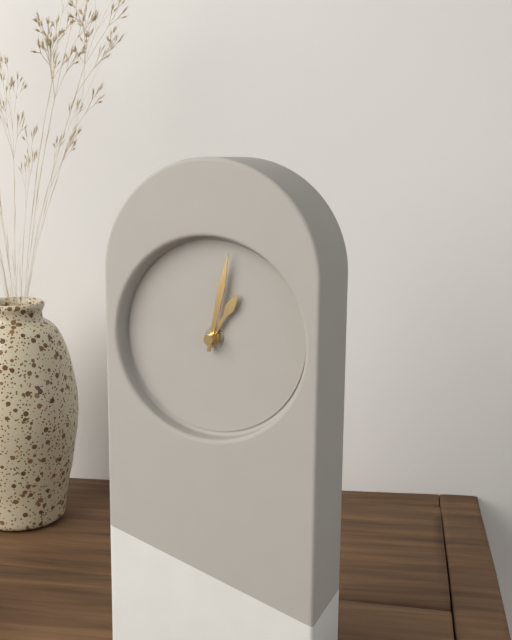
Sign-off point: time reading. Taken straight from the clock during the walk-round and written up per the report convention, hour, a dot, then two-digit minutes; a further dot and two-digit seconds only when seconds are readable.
1.02
